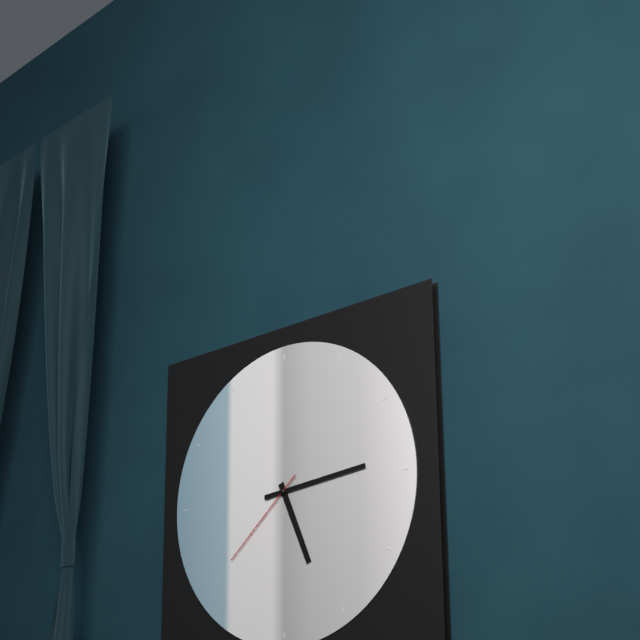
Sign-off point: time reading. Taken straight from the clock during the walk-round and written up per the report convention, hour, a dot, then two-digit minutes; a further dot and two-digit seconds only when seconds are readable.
5.14.38
